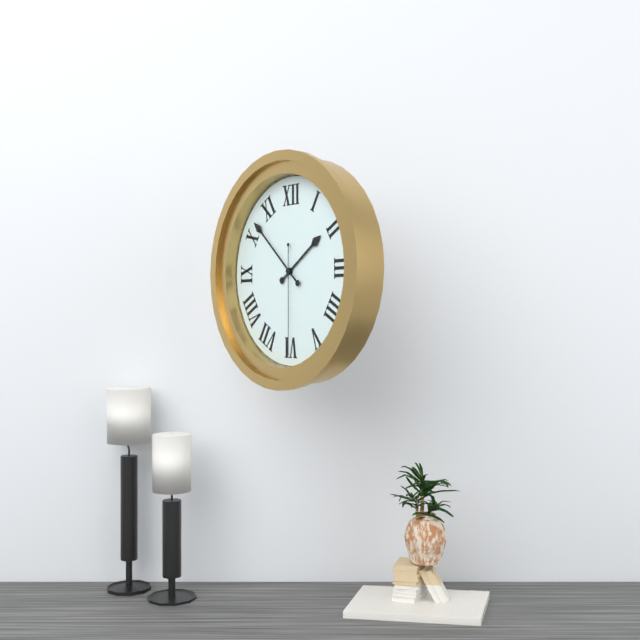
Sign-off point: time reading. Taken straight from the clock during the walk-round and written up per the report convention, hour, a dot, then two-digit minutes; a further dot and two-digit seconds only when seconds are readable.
1.52.30
